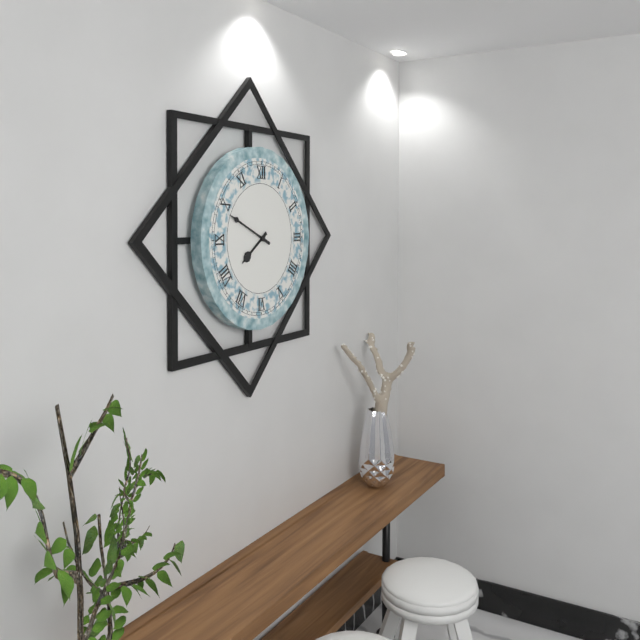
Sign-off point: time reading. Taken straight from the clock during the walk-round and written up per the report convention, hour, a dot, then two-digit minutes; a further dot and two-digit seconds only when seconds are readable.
7.49
